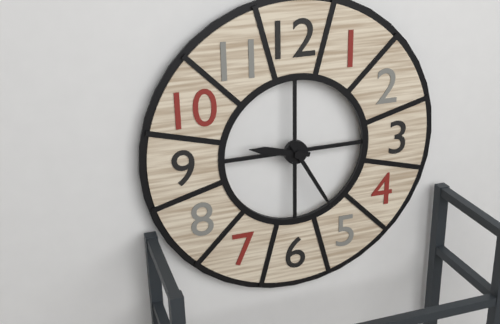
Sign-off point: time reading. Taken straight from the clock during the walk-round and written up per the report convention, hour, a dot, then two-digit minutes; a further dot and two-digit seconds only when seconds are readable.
9.25
